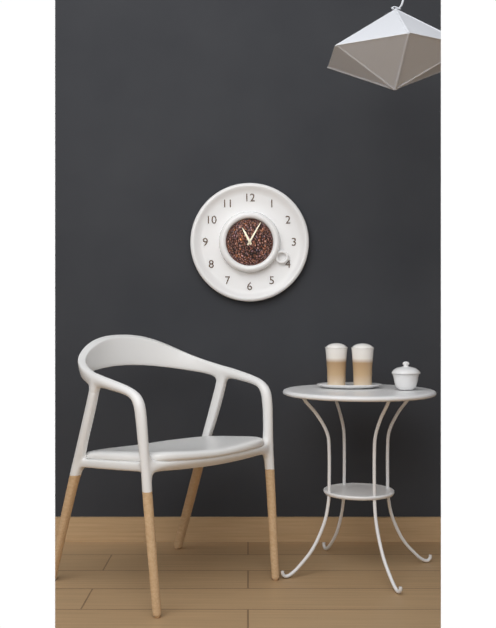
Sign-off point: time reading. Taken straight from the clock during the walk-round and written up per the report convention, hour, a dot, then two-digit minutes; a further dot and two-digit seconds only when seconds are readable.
11.05
